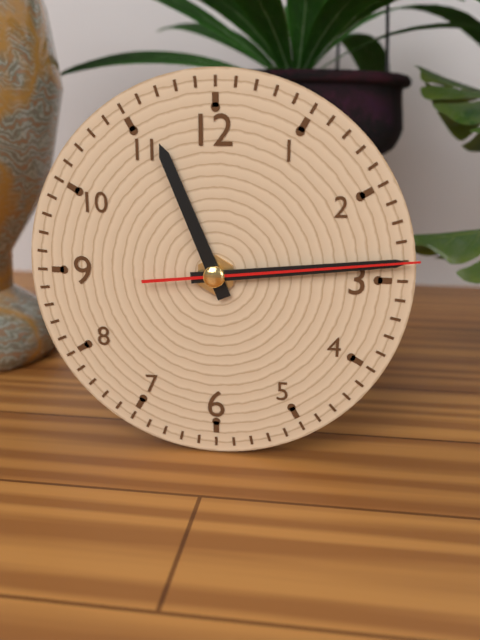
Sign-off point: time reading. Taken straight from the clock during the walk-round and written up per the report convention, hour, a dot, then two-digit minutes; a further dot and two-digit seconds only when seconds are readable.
11.14.14
